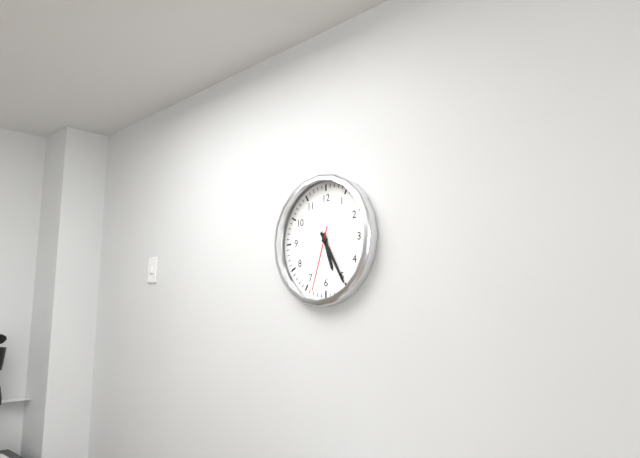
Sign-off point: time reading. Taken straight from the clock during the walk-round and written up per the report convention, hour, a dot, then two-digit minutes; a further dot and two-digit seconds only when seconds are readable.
5.25.33
